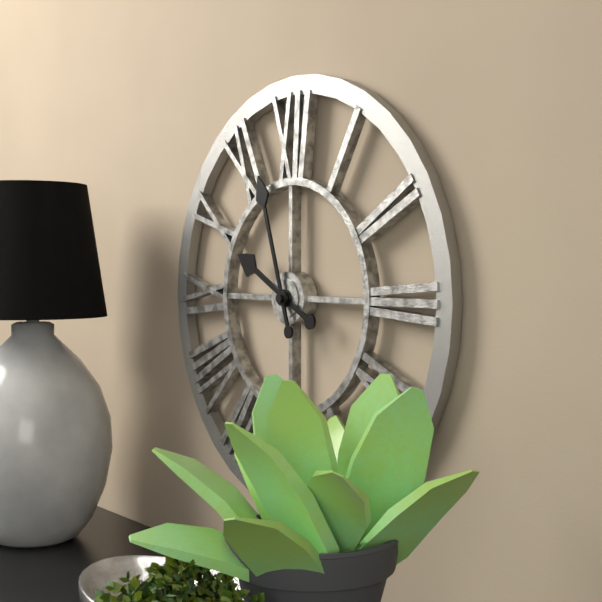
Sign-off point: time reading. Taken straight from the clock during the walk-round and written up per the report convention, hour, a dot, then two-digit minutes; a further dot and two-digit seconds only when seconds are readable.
9.57
